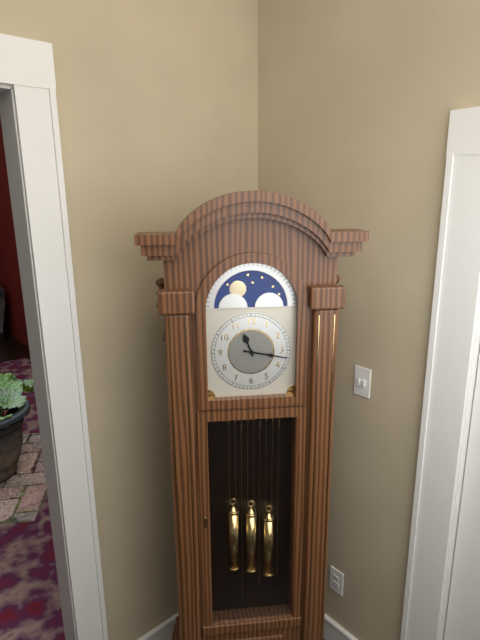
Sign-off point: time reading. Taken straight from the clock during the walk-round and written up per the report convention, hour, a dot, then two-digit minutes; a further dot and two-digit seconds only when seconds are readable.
11.17
